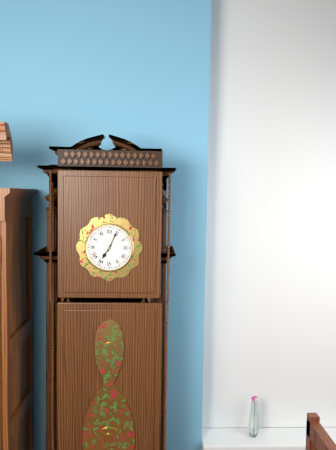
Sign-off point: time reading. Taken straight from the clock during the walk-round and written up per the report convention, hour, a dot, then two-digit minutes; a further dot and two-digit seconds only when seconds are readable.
7.04
